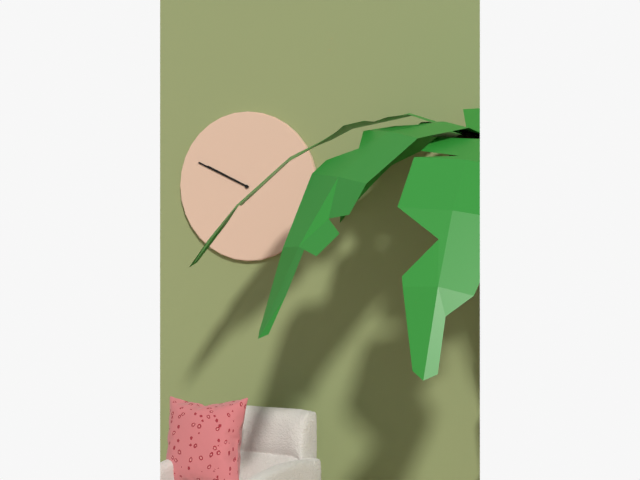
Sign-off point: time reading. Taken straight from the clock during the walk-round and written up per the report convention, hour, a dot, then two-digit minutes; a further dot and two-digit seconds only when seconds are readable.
9.49
